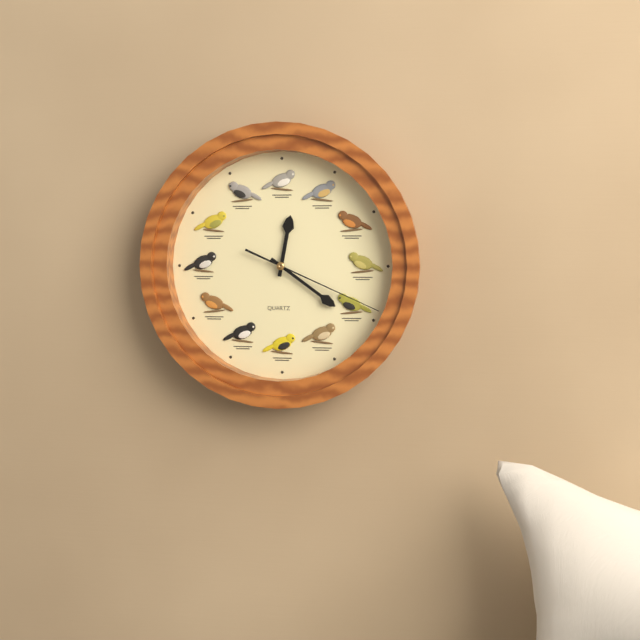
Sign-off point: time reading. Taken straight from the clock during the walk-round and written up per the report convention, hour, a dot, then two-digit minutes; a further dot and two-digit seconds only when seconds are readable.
12.21.19
